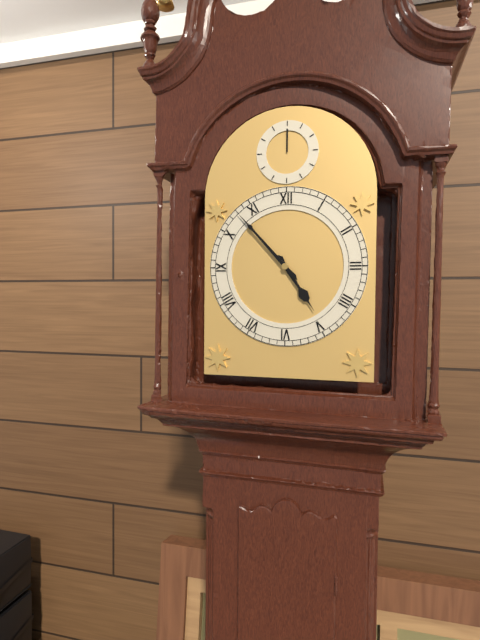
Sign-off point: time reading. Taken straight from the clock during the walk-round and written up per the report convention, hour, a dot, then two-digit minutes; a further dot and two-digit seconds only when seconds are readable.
4.53
